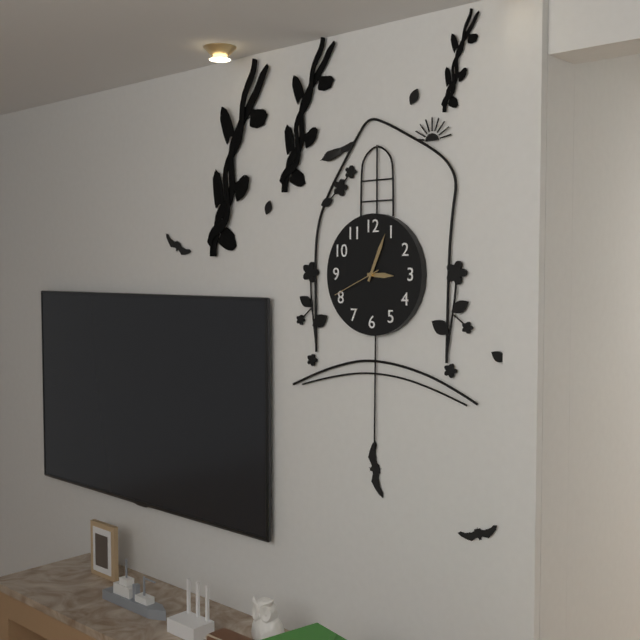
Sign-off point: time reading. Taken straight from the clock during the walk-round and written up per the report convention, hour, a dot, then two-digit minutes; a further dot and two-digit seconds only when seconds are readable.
3.04.41
